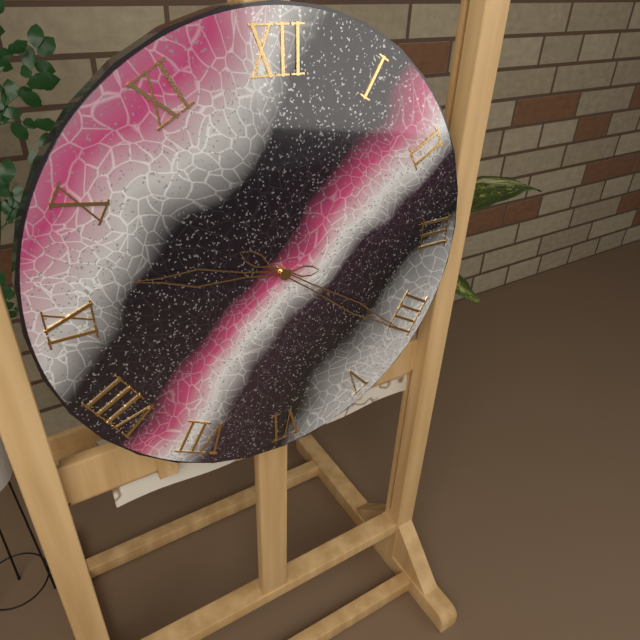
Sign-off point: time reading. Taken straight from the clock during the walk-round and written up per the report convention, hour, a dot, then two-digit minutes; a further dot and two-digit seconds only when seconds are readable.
9.21
